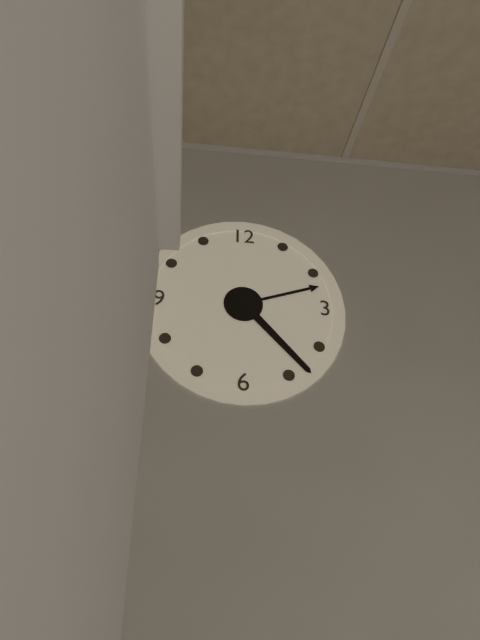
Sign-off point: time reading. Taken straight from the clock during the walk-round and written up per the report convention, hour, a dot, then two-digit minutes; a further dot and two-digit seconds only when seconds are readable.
2.23
